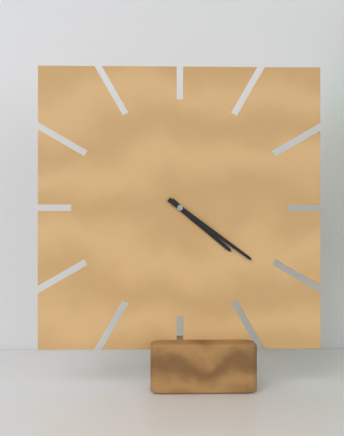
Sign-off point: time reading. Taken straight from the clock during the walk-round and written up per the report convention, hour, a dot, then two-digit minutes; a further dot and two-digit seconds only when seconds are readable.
4.21
